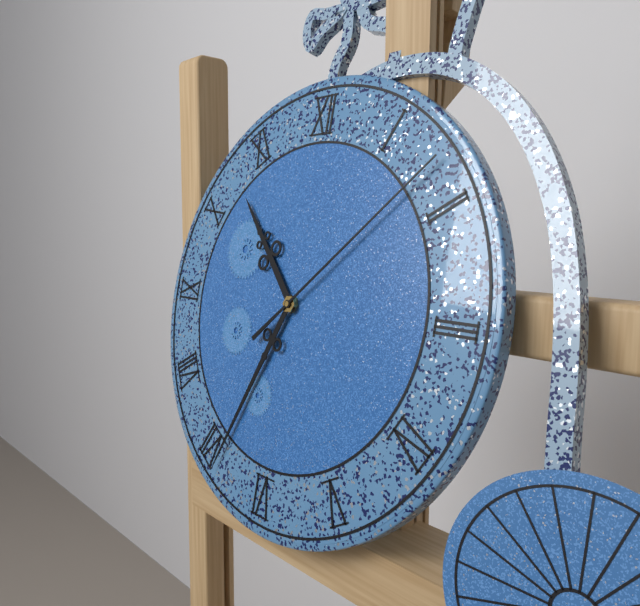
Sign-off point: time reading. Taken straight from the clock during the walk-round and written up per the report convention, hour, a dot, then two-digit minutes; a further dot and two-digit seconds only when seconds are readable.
10.34.08
